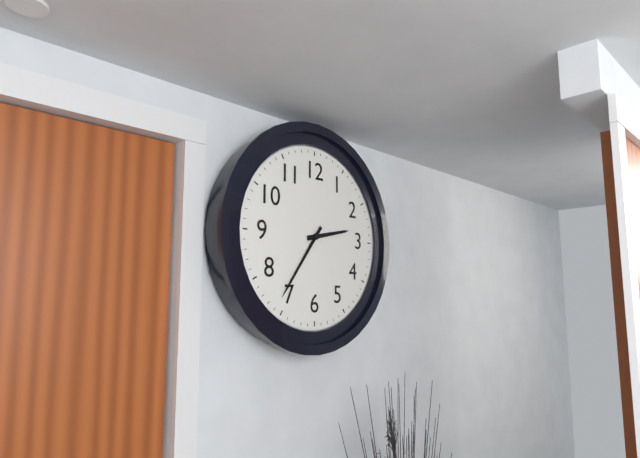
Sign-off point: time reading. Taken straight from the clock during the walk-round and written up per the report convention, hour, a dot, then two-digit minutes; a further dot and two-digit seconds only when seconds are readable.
2.36
